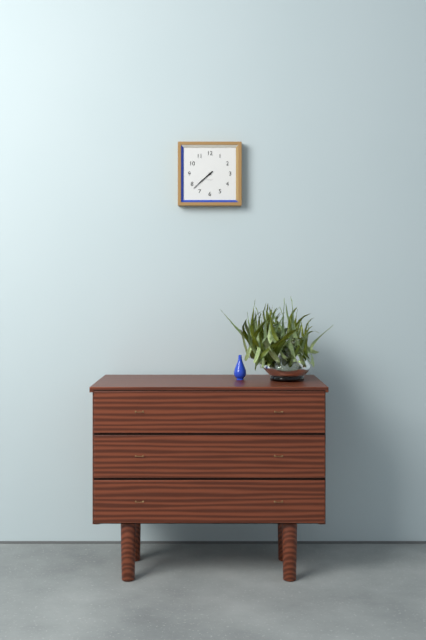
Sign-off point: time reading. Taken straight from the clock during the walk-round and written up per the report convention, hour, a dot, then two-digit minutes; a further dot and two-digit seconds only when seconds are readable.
7.38
